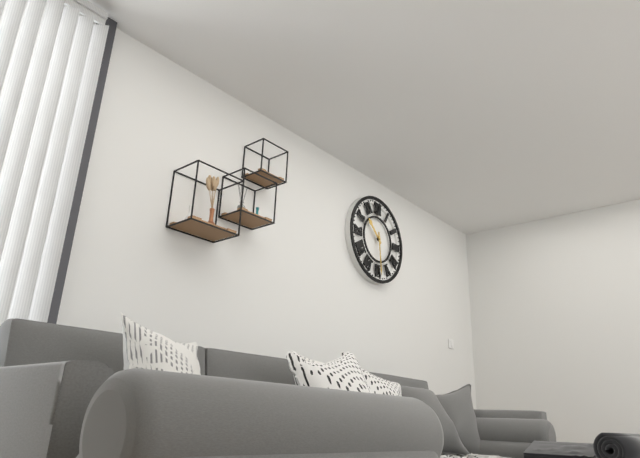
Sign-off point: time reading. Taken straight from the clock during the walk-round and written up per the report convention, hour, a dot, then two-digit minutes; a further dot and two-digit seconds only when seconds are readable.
10.29
